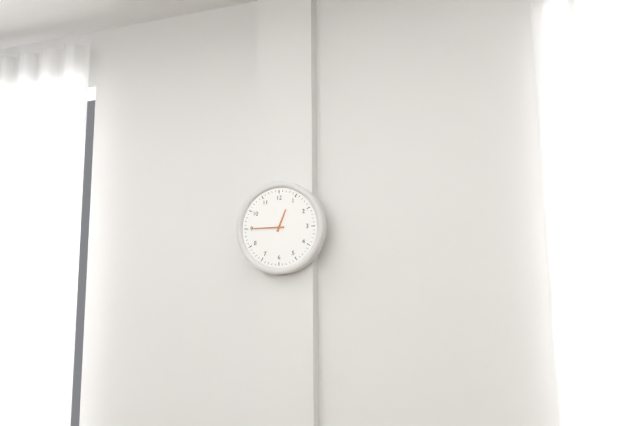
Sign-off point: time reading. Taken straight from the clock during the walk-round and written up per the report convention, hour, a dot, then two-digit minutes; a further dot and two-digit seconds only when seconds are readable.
12.45
